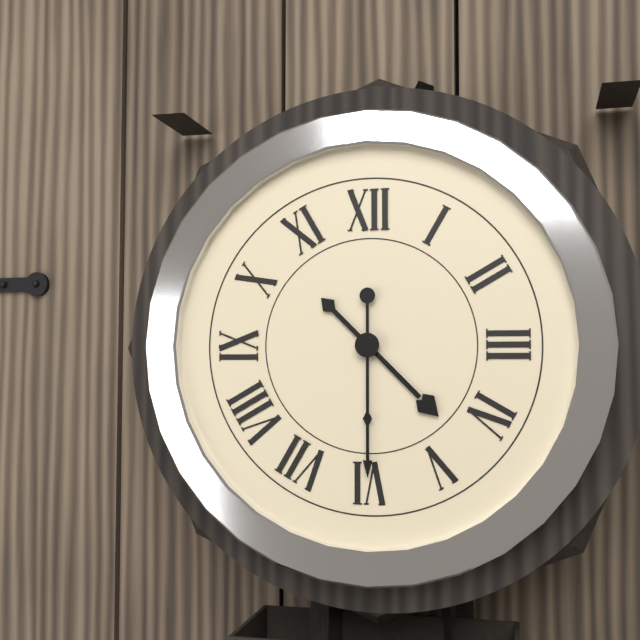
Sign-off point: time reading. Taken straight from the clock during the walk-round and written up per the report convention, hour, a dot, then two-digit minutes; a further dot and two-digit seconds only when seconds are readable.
4.30
